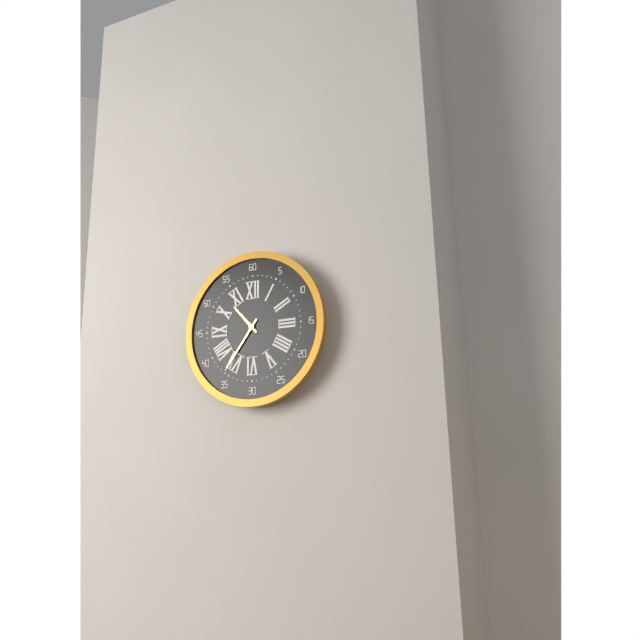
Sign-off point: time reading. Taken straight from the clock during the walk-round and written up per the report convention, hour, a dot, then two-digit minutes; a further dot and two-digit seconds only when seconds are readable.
10.36
